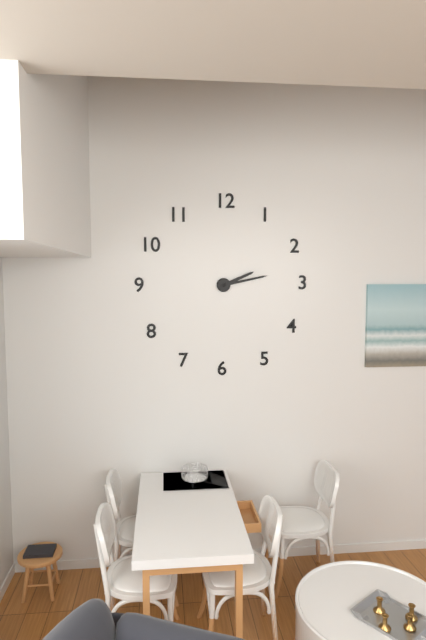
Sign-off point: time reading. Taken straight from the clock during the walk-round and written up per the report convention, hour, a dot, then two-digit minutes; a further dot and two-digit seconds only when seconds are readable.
2.13
